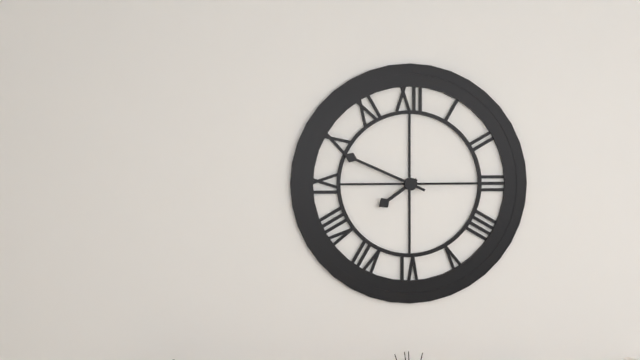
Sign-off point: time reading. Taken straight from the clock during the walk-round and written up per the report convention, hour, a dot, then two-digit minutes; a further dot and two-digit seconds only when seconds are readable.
7.49
